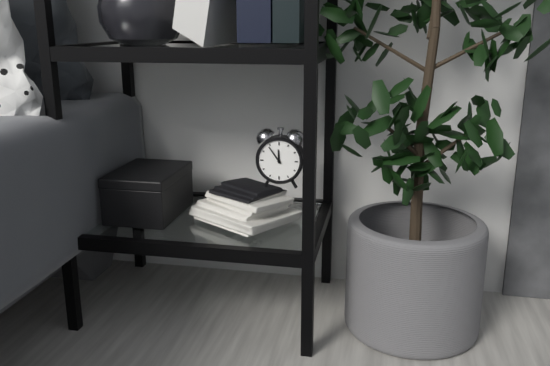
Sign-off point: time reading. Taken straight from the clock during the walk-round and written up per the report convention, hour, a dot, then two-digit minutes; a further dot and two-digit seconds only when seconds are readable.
11.54
